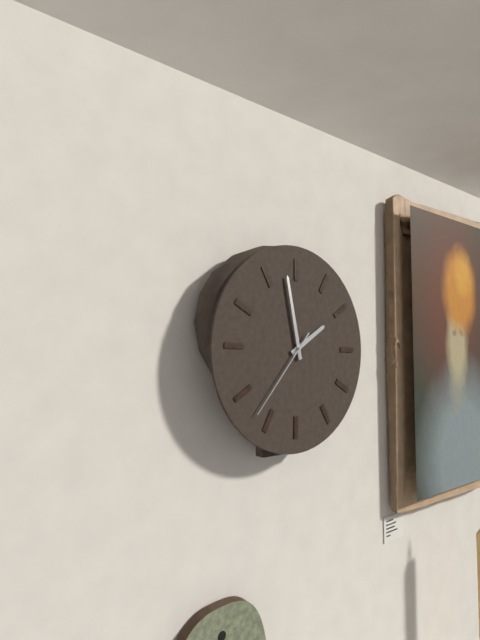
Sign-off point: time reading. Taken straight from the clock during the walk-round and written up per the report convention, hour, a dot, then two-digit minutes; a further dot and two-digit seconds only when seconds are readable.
1.58.37
